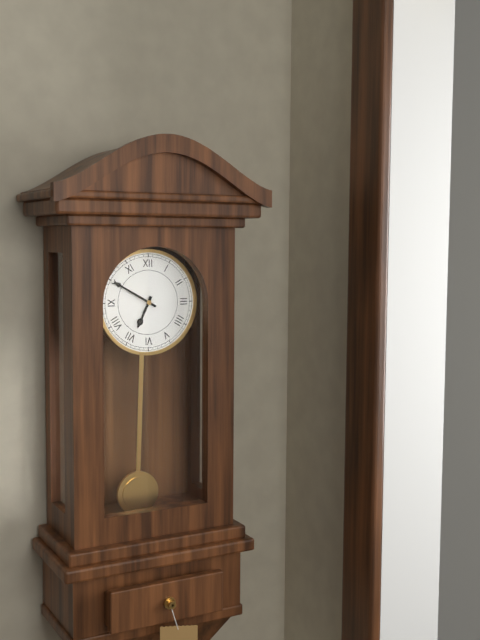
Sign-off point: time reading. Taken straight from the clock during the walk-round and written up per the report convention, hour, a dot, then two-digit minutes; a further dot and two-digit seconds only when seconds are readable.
6.50
